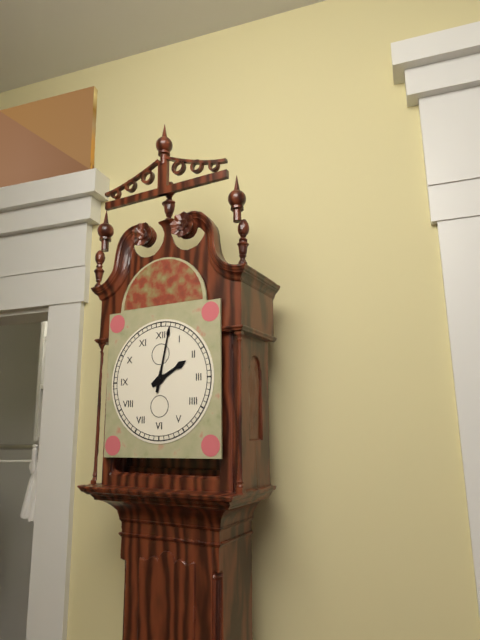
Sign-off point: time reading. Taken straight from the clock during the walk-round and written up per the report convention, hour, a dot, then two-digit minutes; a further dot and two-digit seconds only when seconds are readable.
2.02
